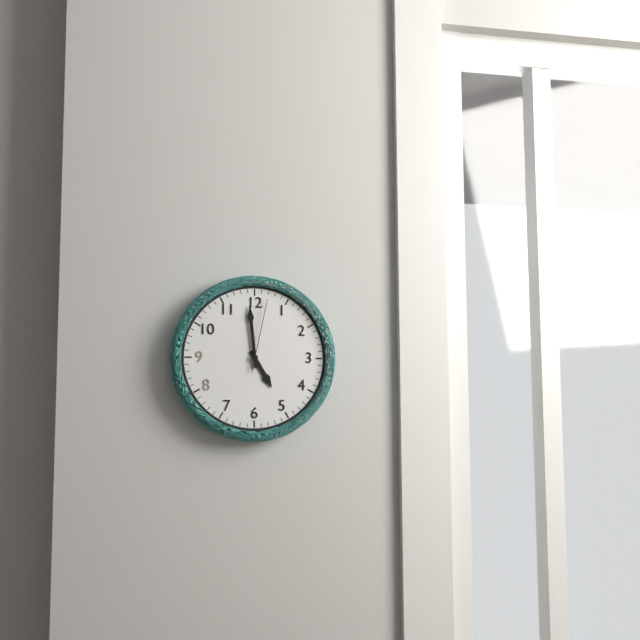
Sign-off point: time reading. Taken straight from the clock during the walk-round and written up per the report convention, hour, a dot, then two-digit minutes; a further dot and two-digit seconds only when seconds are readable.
4.59.02
